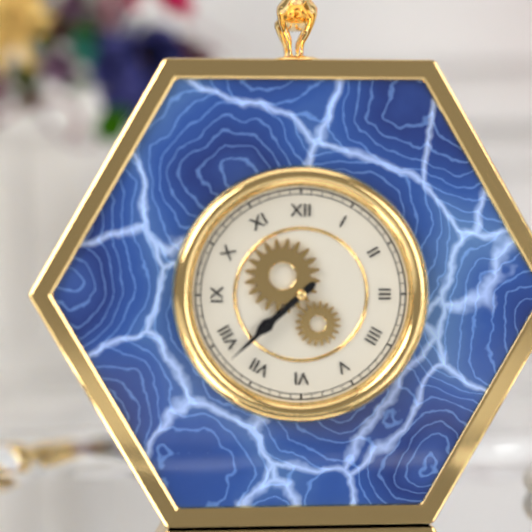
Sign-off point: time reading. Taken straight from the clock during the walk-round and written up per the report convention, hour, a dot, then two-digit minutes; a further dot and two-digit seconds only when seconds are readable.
7.38
